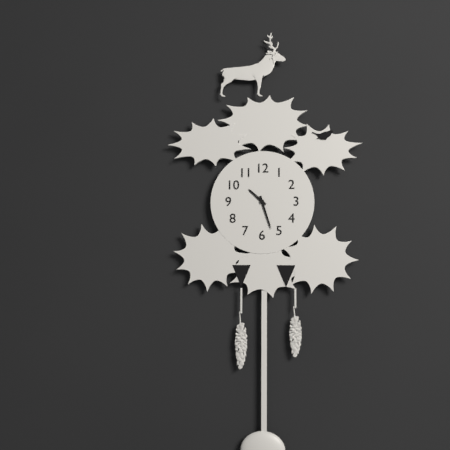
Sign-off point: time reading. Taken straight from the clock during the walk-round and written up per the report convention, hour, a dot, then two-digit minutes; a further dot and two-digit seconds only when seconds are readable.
10.27
